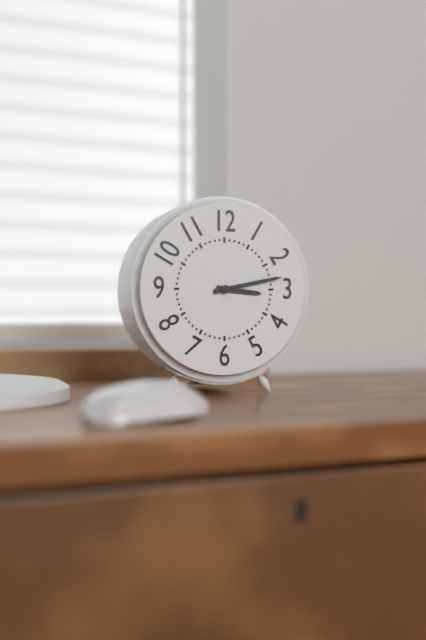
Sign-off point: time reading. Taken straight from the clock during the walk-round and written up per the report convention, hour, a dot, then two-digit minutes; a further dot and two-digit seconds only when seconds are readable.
3.13
